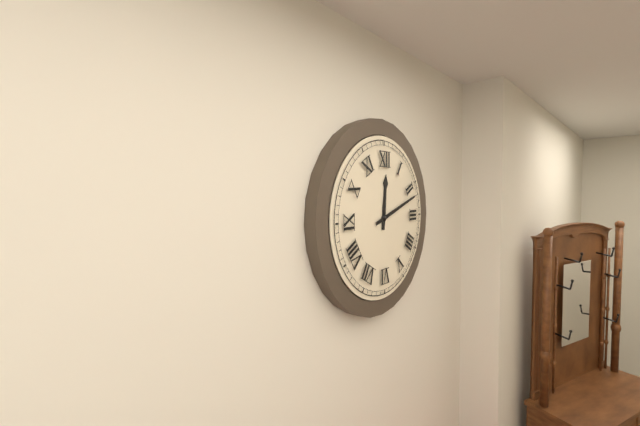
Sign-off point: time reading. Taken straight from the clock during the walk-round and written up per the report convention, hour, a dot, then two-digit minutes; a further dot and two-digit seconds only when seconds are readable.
12.12
